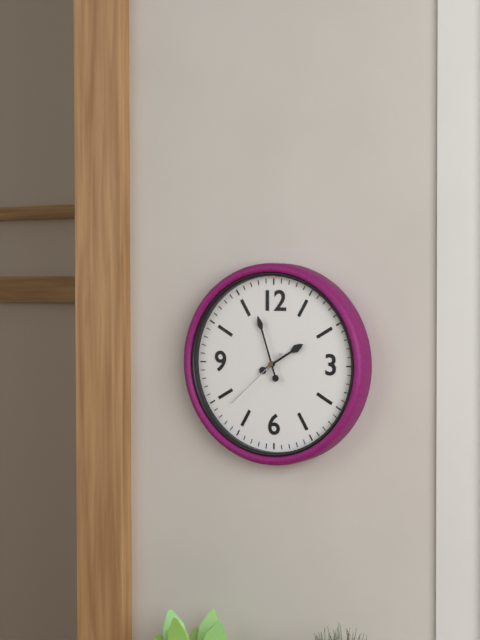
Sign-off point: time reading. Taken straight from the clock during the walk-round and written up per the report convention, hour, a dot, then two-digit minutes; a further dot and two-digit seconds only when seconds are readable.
1.57.38
